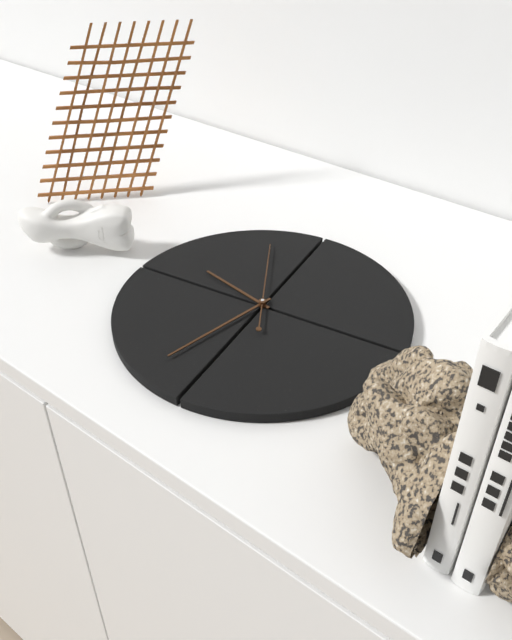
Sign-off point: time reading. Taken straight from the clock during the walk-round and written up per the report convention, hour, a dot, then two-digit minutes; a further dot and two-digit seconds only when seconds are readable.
9.33.56
